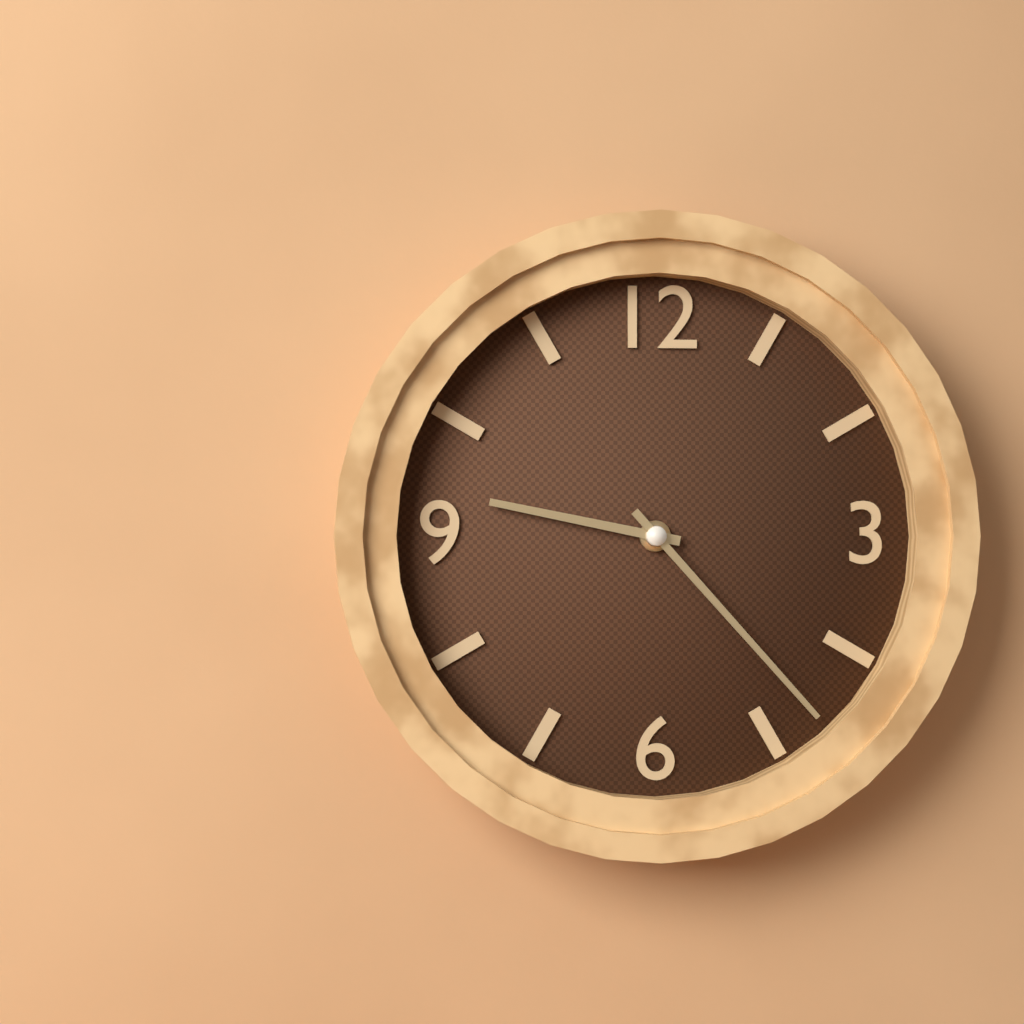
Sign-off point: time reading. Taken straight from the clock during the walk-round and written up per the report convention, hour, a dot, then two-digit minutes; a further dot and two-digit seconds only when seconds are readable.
9.23
